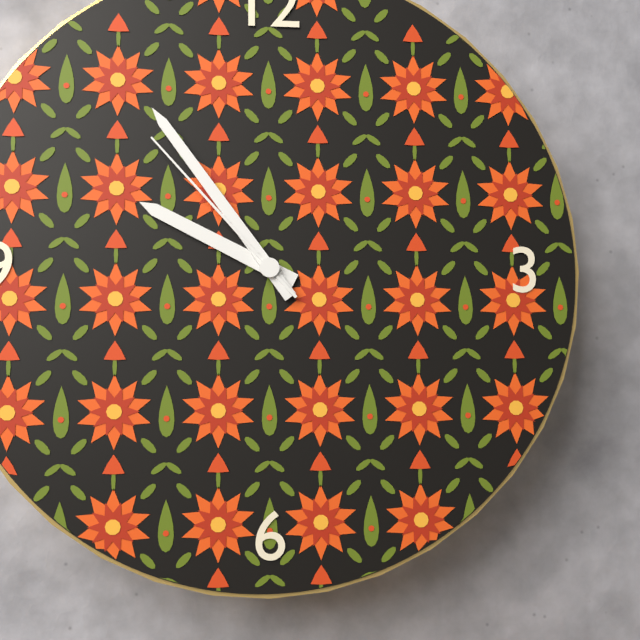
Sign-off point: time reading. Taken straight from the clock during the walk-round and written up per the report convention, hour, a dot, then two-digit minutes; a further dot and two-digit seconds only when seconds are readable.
9.54.53
